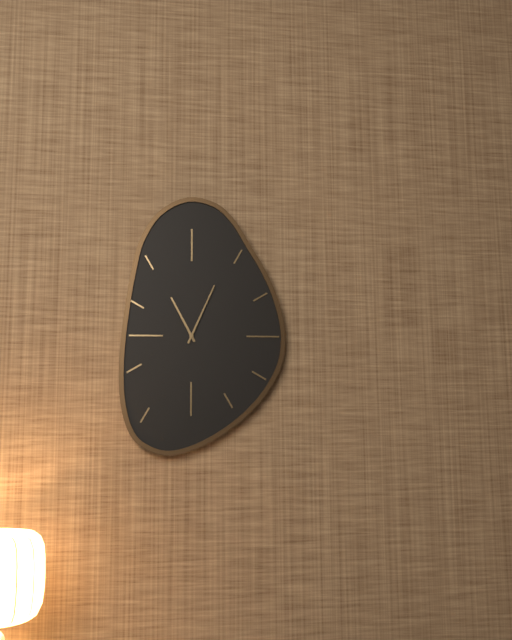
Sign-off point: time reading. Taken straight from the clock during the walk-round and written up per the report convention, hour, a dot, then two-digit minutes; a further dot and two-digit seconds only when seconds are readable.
11.04
